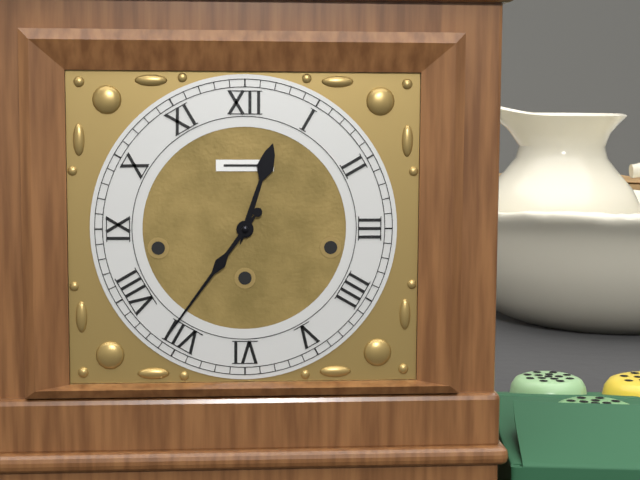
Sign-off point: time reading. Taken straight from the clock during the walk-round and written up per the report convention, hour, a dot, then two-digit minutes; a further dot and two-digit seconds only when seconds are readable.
12.36
